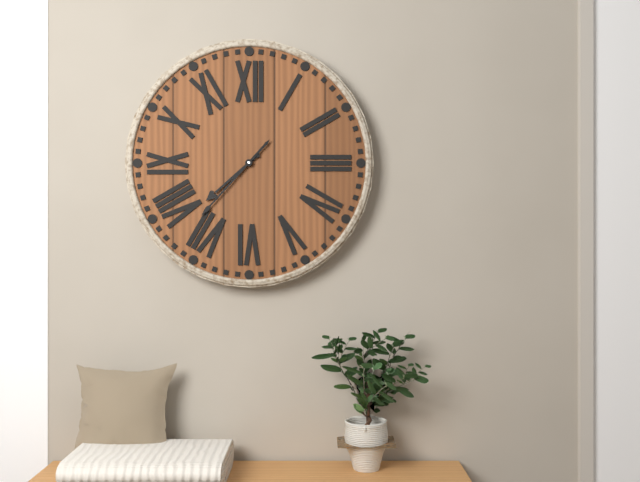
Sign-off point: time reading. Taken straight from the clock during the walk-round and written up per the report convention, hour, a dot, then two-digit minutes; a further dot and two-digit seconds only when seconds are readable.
7.37
